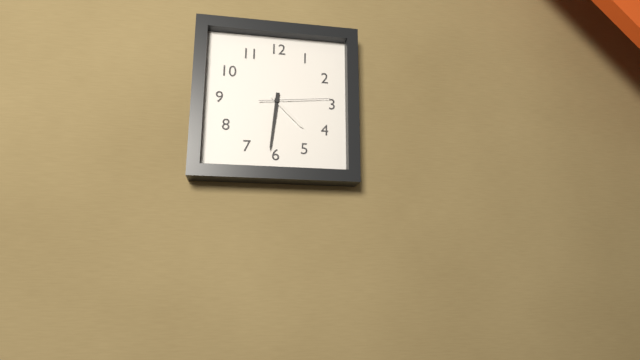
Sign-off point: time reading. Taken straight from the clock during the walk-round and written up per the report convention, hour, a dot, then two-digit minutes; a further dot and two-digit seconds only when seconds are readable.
4.31.14
